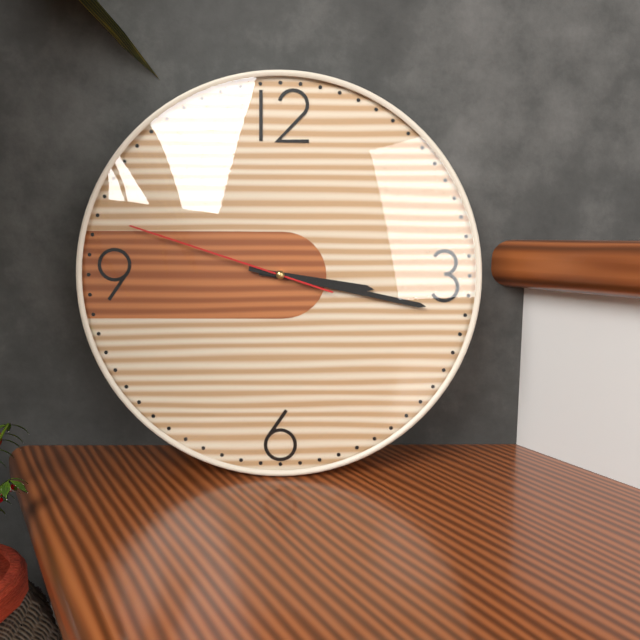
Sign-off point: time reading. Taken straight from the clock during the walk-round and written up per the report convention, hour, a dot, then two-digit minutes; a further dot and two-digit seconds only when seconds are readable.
3.17.48
